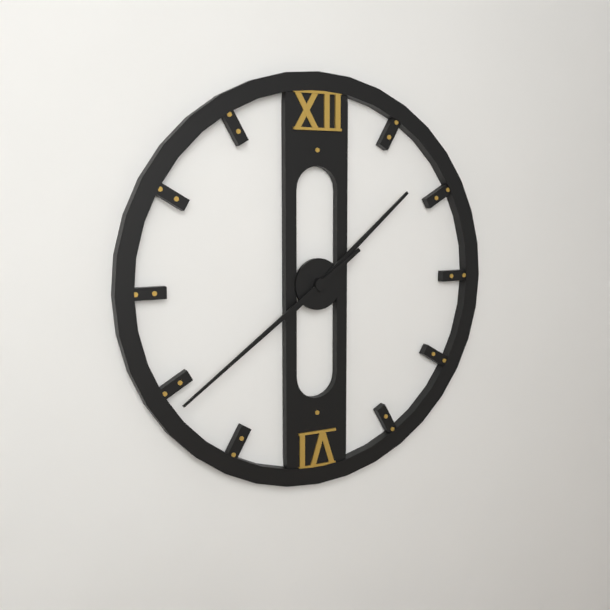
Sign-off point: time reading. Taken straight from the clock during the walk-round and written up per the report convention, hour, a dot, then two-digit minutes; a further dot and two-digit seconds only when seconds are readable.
1.39
